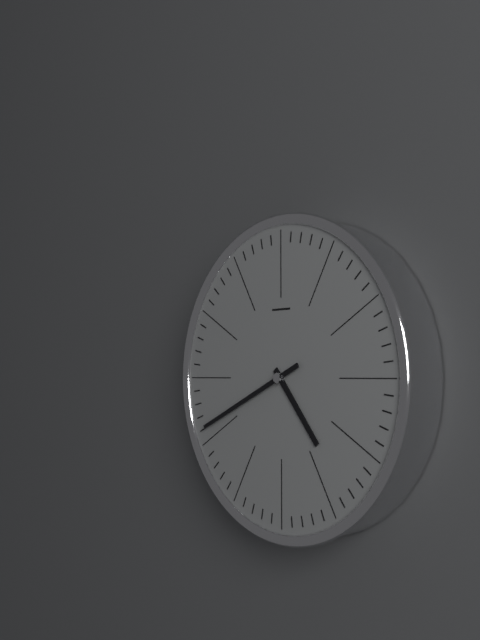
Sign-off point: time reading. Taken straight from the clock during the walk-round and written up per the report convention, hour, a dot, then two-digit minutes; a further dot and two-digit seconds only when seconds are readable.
4.41
